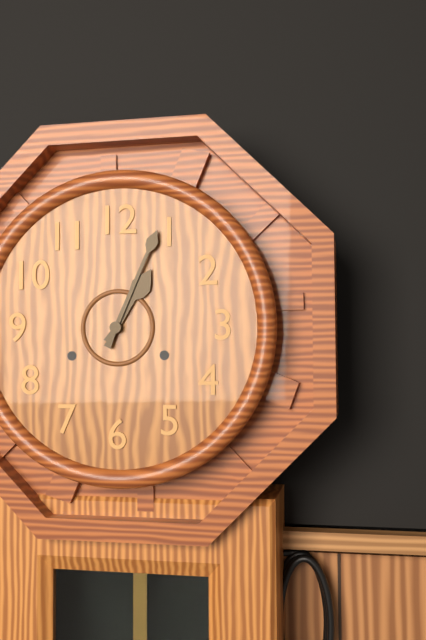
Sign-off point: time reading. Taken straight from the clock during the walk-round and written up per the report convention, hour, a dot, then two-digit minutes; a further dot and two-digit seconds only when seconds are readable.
1.04
